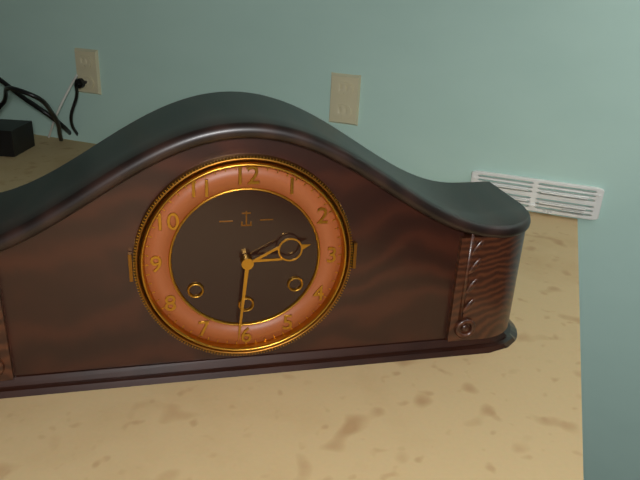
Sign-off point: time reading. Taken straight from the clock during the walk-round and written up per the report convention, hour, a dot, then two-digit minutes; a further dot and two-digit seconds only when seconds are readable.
2.31
